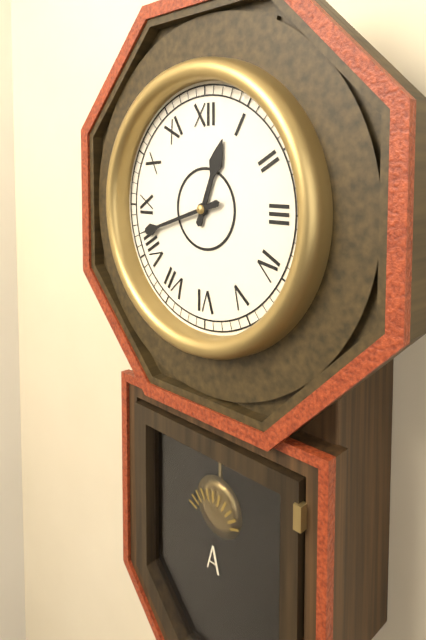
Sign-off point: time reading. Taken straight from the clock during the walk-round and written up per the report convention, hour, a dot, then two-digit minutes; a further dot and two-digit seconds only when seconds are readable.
12.42
